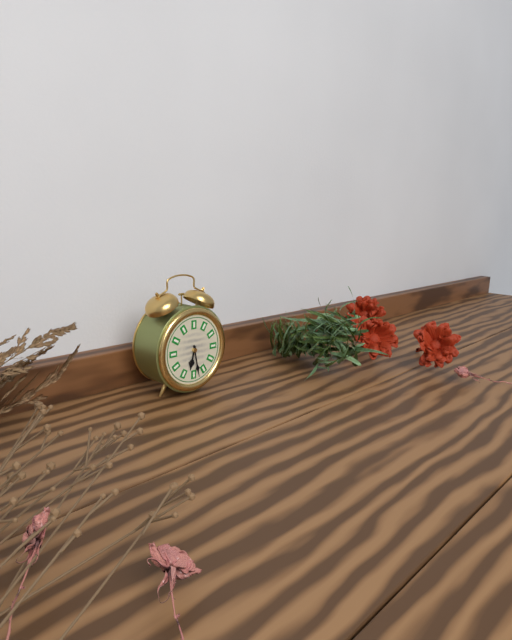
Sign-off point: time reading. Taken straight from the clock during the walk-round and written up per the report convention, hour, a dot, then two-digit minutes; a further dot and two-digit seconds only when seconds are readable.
6.28
